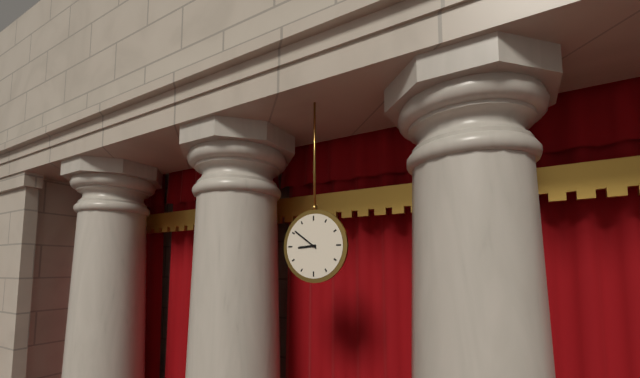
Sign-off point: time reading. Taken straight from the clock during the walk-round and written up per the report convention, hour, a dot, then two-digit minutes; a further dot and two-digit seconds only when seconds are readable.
8.51
